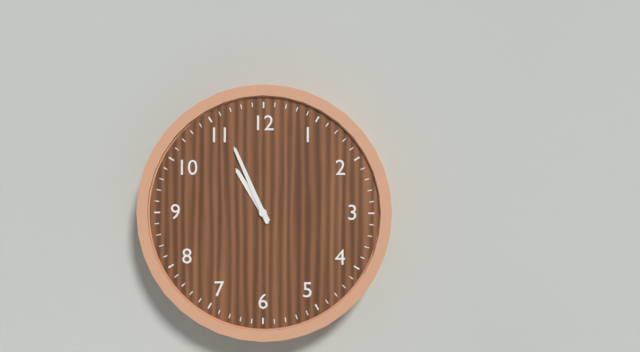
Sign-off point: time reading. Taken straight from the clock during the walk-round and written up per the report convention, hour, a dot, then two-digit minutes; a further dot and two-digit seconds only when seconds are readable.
10.56
